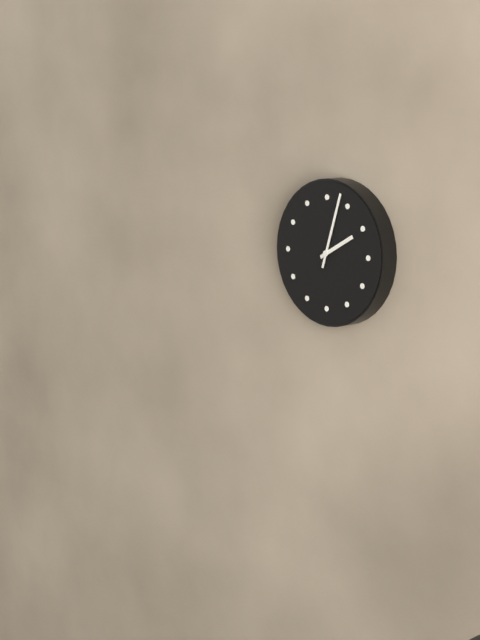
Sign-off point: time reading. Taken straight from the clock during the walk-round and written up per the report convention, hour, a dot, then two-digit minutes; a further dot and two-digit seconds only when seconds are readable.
2.03
